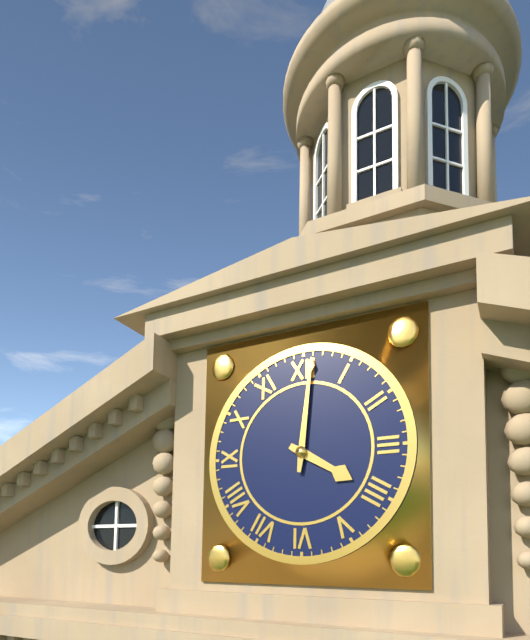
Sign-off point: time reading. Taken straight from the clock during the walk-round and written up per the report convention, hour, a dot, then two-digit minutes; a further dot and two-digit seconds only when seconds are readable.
4.01
